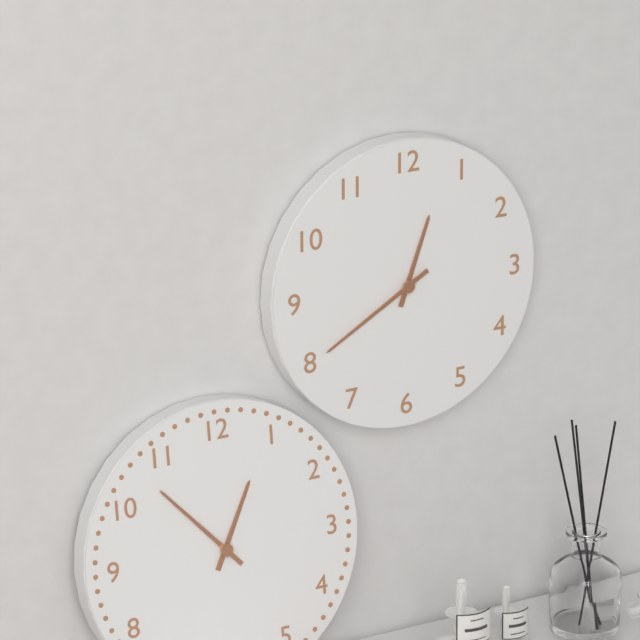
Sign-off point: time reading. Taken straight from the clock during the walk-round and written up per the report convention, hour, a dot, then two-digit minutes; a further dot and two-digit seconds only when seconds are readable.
12.40
